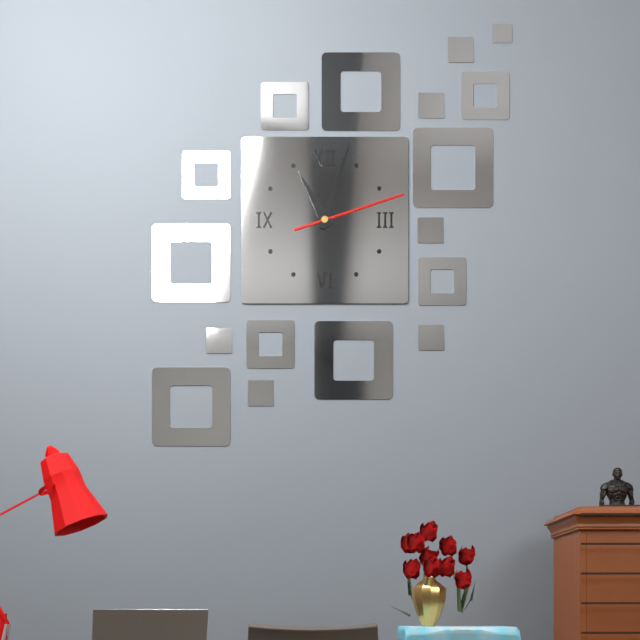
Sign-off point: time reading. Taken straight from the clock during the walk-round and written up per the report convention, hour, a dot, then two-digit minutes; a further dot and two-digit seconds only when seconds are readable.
11.03.12
